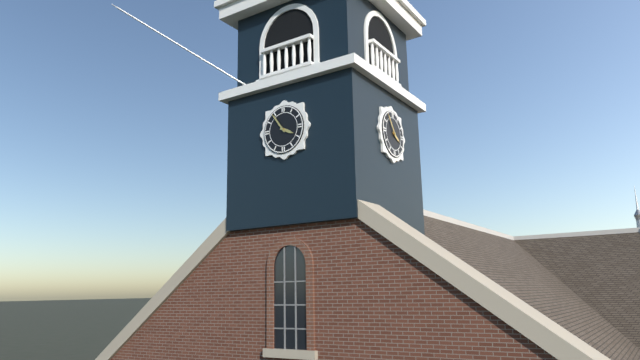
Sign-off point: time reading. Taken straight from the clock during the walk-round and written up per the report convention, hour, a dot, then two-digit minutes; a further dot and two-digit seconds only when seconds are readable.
3.54
